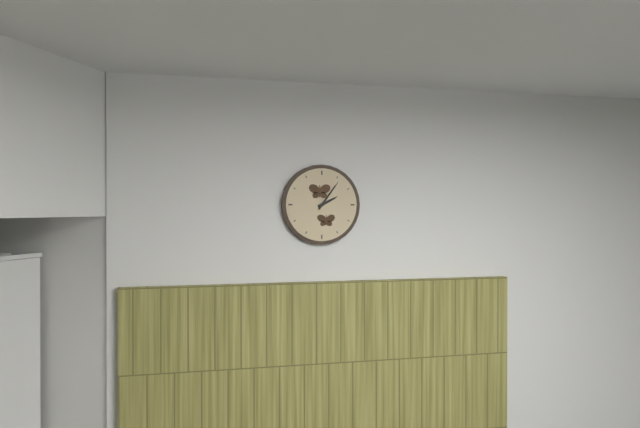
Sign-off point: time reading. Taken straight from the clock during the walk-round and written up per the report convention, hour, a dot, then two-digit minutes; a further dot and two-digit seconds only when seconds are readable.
2.06
